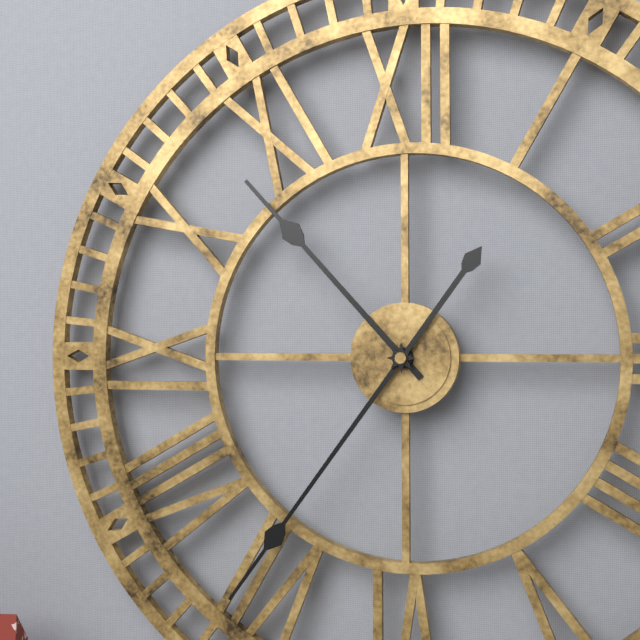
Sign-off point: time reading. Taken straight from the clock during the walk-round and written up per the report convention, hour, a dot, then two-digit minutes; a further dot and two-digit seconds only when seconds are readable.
10.36
